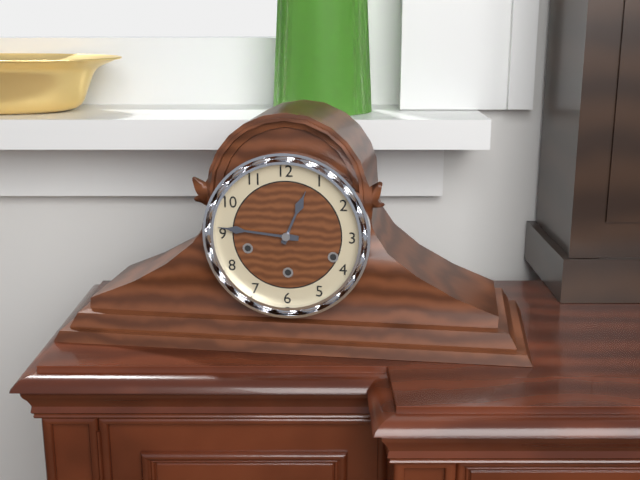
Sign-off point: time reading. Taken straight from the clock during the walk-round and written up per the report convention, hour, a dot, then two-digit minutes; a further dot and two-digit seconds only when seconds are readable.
12.46
